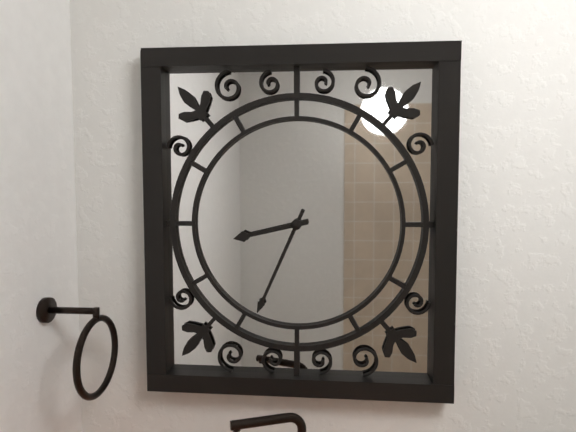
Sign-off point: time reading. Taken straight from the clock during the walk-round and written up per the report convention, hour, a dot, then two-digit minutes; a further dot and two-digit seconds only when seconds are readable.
8.34
